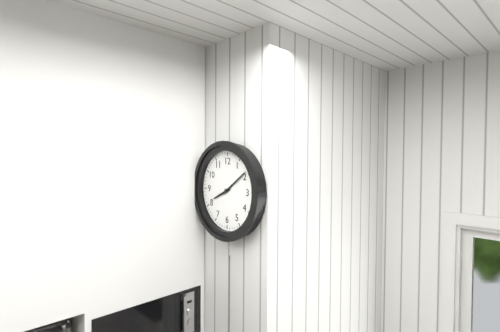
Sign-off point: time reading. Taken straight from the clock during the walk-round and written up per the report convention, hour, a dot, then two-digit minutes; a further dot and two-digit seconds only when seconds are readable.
8.09
